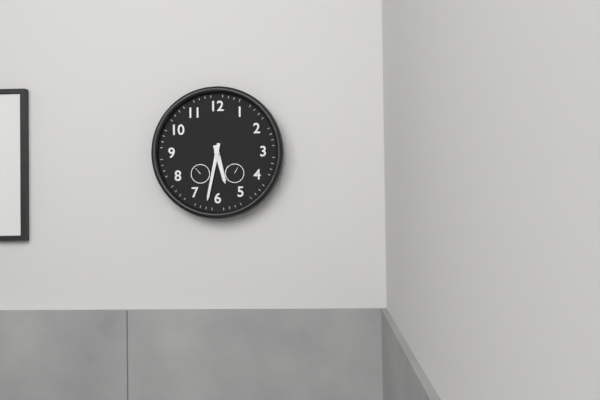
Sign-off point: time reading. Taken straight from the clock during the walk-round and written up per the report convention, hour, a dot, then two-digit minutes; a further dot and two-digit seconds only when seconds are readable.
5.32
